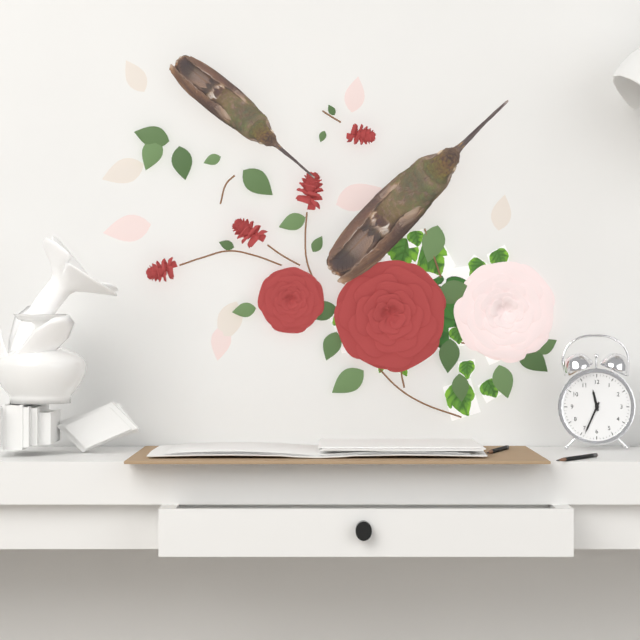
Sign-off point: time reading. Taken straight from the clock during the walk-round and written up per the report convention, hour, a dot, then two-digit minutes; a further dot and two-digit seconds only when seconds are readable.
11.34
